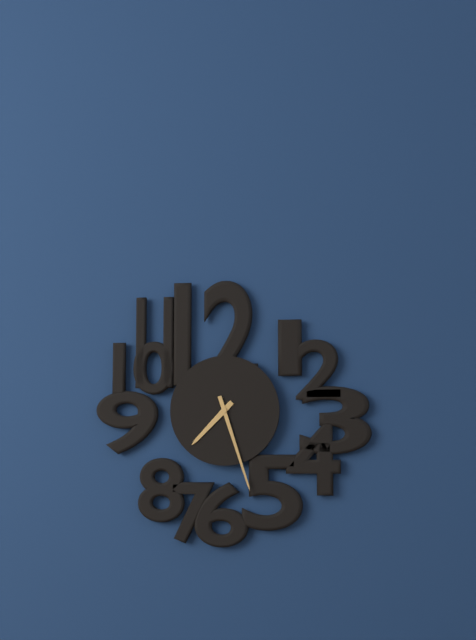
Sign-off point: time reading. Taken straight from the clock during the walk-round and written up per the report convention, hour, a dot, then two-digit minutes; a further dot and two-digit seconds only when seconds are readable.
7.27
